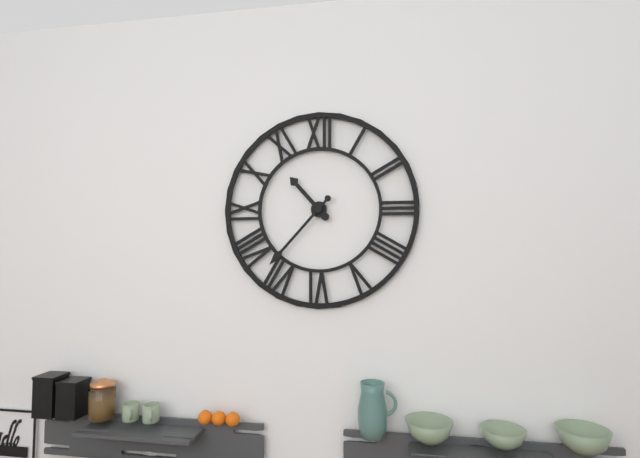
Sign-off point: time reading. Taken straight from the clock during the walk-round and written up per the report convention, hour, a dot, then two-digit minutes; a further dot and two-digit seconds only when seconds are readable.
10.37
